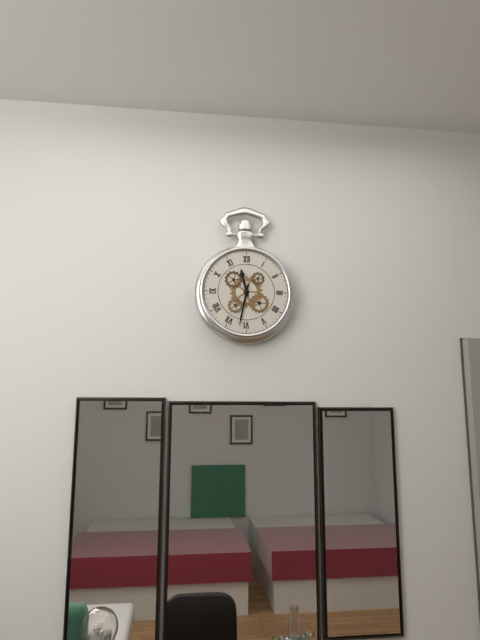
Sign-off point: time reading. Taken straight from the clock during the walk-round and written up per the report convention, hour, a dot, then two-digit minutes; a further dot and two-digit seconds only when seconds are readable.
11.32
